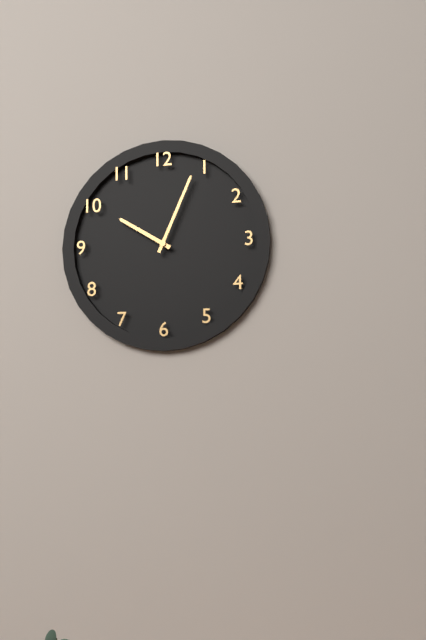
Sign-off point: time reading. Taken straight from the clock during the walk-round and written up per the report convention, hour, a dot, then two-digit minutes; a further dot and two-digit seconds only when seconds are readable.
10.04
